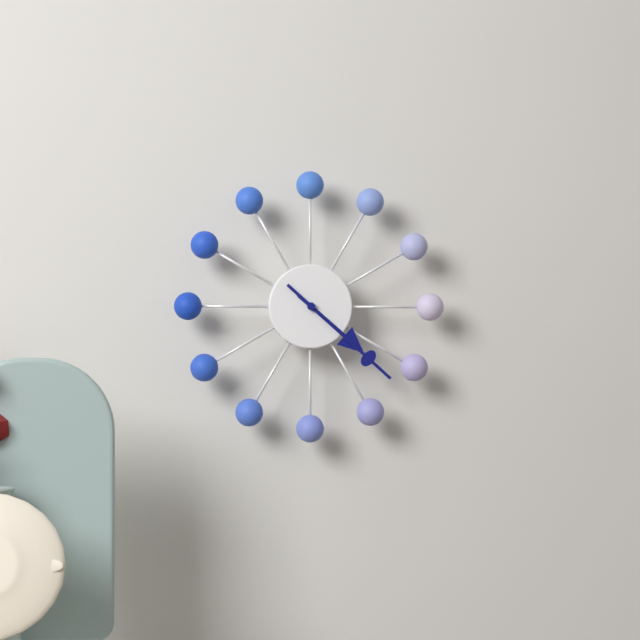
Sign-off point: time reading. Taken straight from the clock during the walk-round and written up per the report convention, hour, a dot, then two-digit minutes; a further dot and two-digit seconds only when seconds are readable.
4.22
